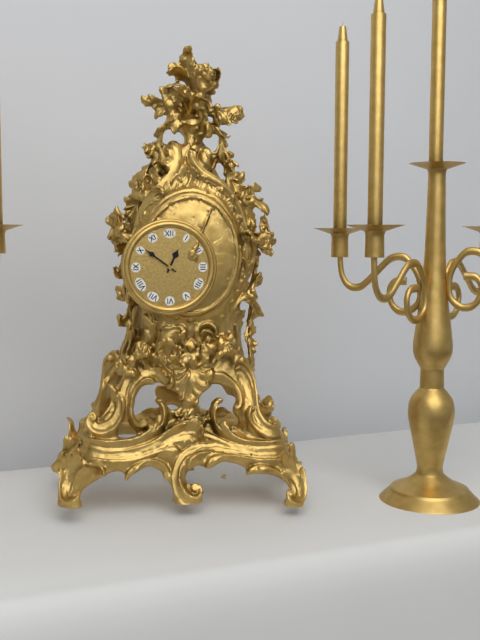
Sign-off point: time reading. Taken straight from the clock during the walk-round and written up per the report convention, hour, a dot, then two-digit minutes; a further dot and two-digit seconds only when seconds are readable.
12.51
